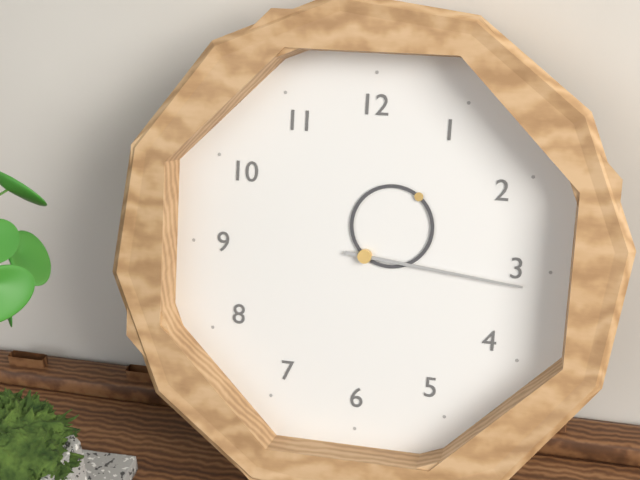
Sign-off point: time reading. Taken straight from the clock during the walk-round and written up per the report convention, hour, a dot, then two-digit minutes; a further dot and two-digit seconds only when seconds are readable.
1.16
